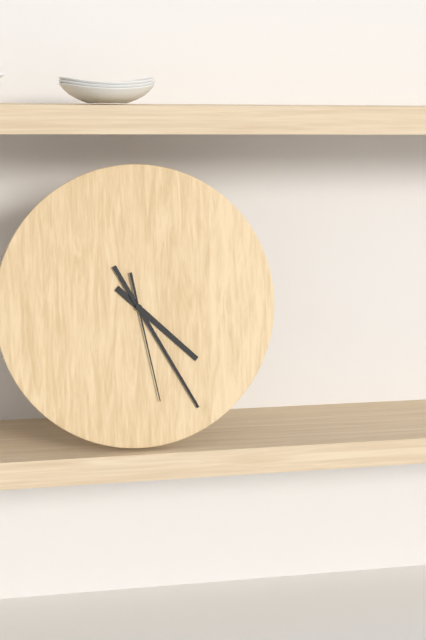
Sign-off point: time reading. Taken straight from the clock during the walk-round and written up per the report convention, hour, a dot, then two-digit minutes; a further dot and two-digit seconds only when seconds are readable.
4.25.28
